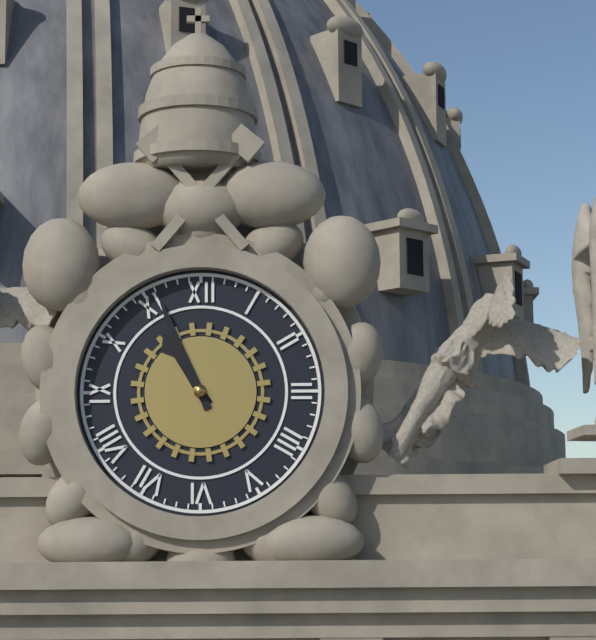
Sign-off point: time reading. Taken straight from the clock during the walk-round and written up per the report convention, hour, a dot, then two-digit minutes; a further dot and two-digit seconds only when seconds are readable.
10.56
